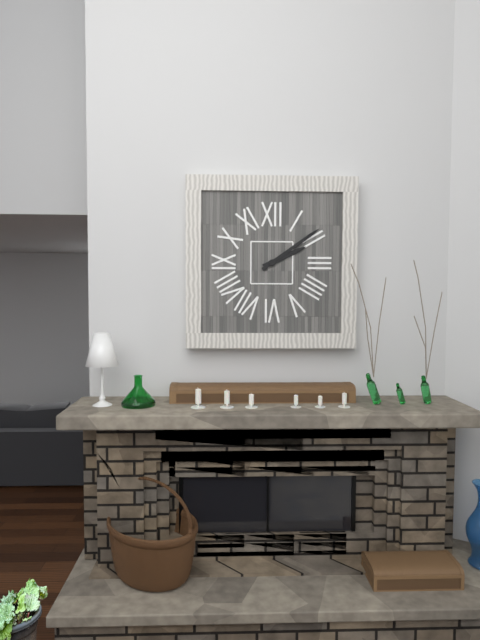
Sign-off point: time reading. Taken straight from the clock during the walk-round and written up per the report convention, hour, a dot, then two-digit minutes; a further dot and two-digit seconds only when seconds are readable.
2.09
